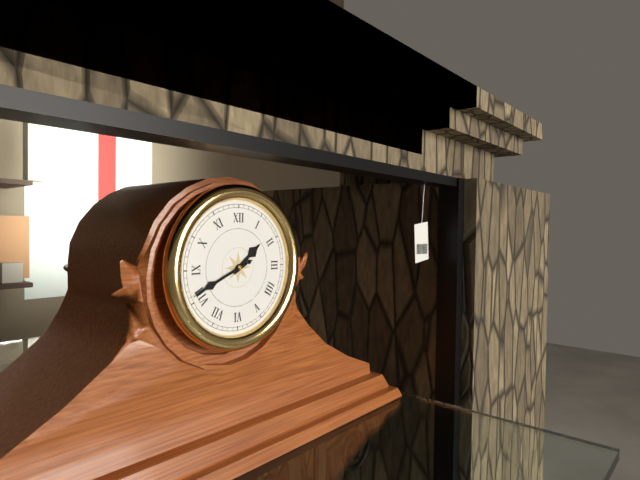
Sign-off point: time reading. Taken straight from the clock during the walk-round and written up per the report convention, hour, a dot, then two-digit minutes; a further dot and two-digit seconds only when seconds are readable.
1.41.41
